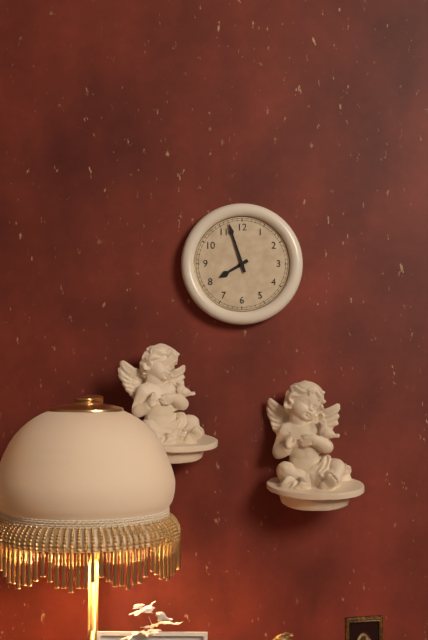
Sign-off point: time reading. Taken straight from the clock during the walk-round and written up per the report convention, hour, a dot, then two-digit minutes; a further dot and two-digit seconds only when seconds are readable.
7.57
